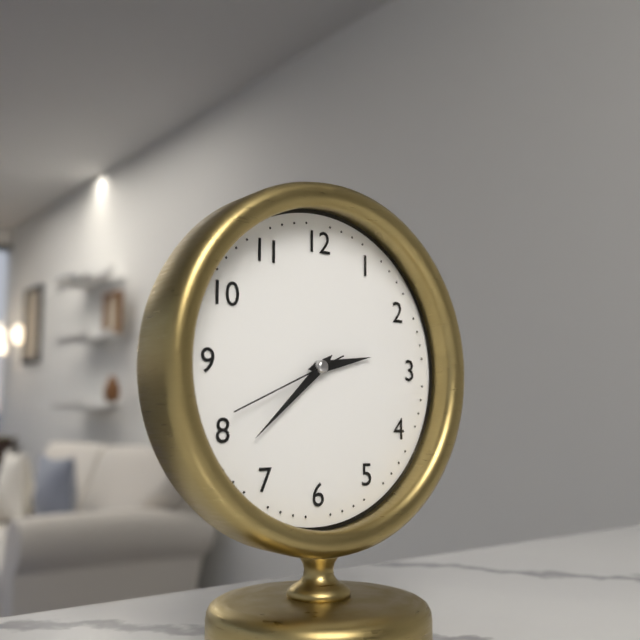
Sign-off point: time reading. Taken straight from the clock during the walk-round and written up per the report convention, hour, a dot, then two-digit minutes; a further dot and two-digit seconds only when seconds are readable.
2.38.41
